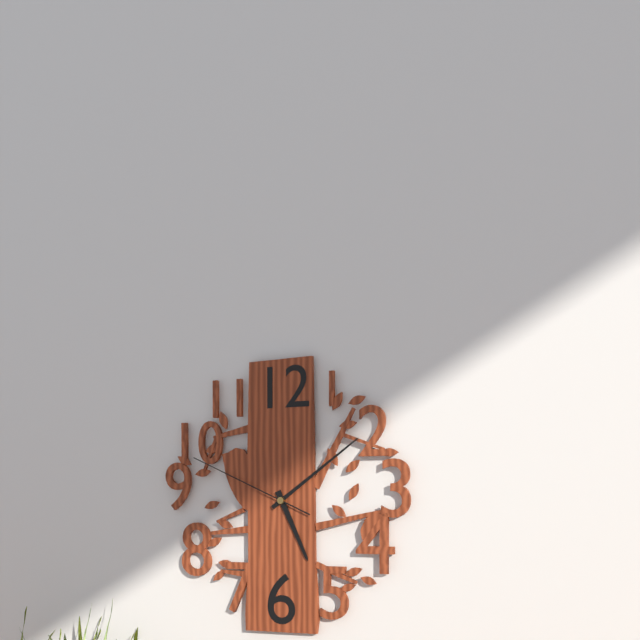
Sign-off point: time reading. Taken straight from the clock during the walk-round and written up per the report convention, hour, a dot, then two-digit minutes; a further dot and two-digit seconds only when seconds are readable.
5.09.49
